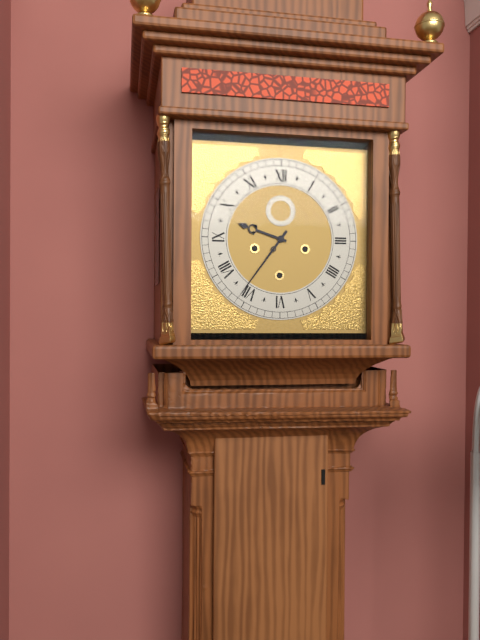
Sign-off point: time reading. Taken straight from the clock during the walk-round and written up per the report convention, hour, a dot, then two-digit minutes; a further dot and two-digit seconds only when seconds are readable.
9.36
